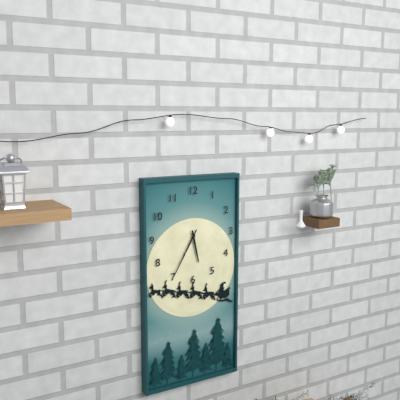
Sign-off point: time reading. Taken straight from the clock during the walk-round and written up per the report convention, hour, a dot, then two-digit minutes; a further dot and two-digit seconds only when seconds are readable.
5.35
